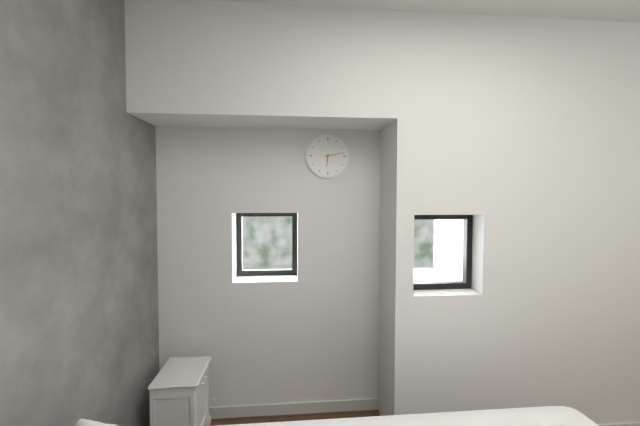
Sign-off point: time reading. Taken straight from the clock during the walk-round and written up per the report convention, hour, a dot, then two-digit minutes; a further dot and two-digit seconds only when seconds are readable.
6.13
